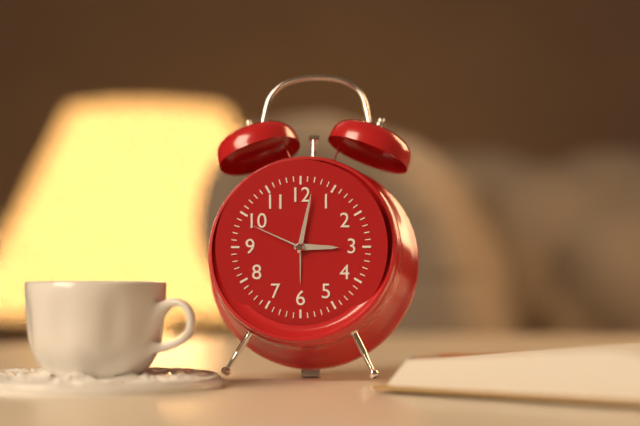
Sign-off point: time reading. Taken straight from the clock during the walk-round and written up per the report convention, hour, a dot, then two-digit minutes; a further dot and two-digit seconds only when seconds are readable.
3.02.49
